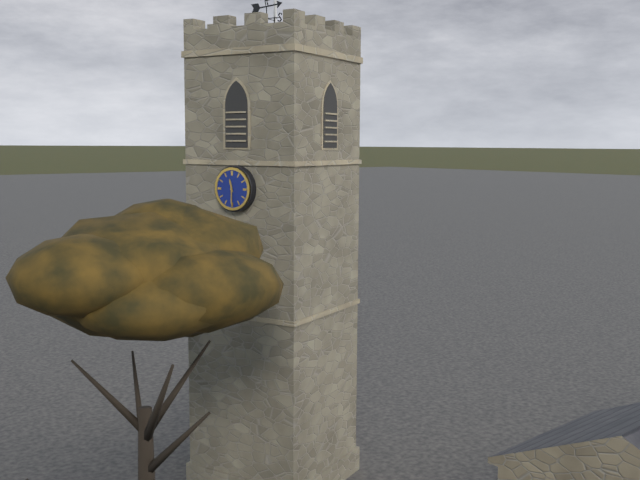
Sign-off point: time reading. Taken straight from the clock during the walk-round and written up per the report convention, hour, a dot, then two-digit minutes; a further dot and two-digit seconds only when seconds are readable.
11.30
